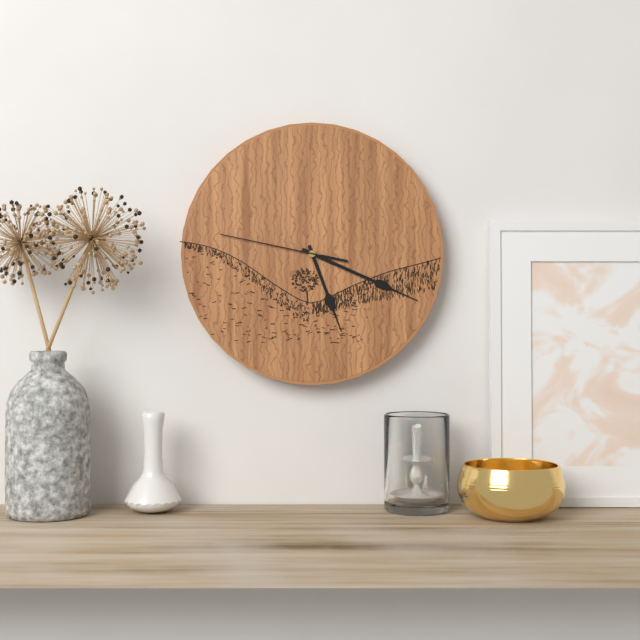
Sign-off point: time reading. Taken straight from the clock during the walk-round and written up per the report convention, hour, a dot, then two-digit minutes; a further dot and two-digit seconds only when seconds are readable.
5.19.47
